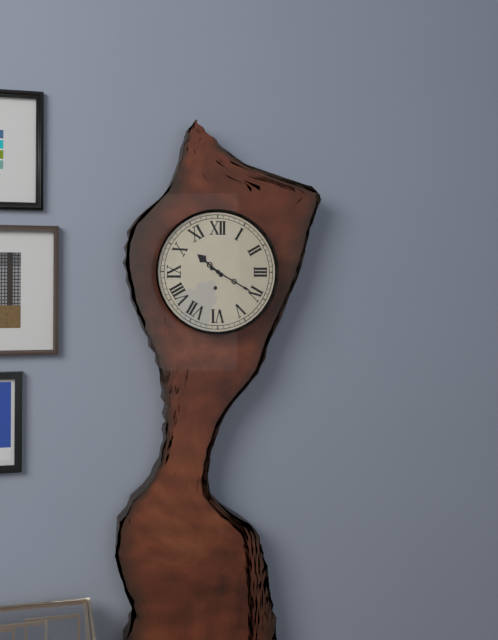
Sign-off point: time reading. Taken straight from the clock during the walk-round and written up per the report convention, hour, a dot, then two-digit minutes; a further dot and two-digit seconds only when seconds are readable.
10.20
